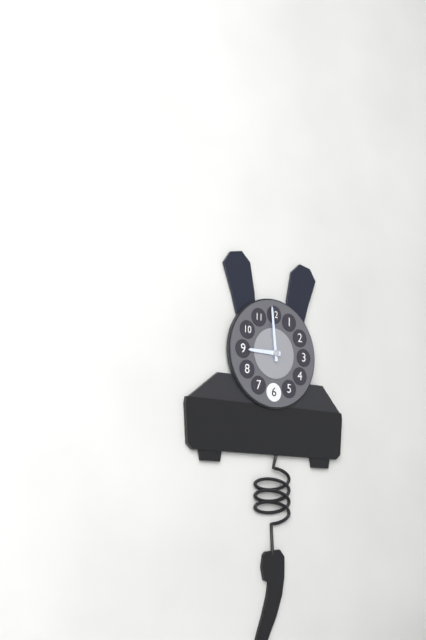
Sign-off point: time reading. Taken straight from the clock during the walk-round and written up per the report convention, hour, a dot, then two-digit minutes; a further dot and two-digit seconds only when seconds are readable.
8.59
